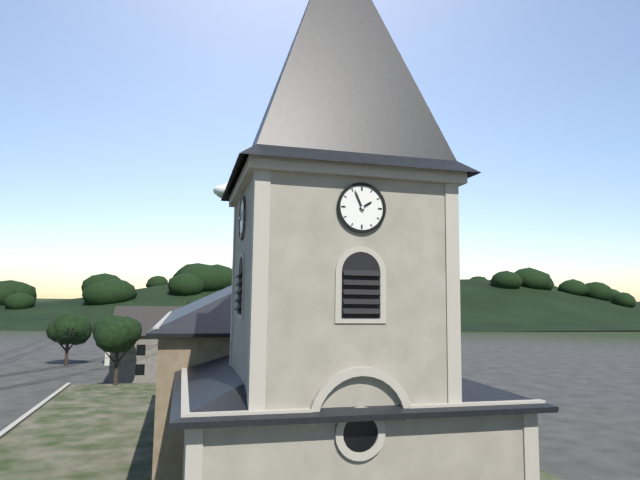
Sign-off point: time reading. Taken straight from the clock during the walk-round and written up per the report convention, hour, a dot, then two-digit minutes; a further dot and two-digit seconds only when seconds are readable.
1.56
